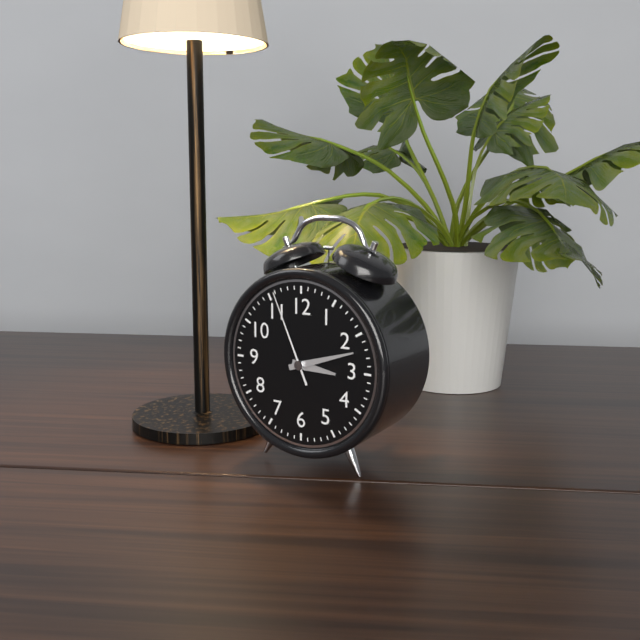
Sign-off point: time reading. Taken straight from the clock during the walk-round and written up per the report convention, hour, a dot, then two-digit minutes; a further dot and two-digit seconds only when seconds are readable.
3.12.56
